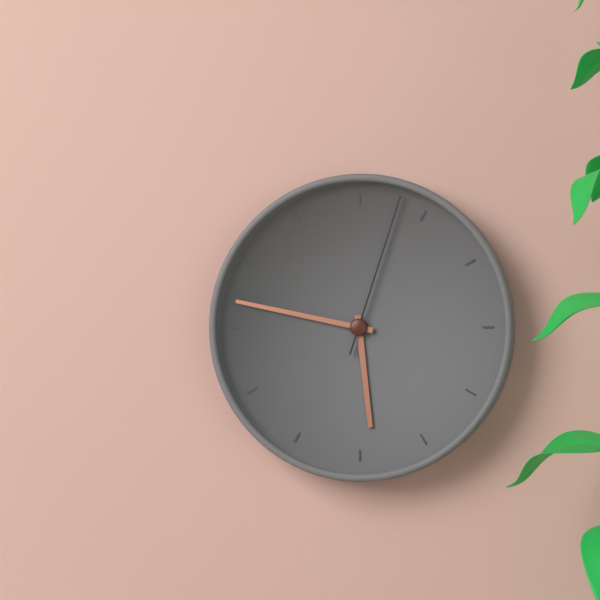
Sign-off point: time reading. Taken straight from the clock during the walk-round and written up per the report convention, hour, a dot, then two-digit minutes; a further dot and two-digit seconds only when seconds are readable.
5.47.03
